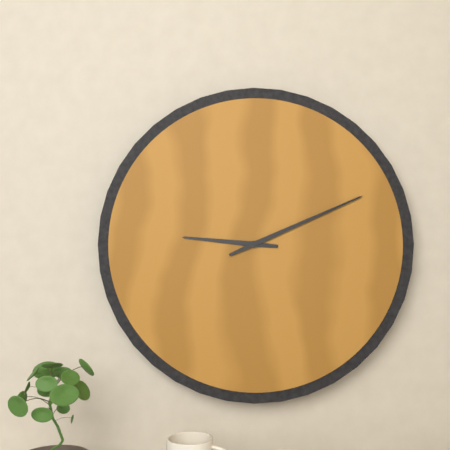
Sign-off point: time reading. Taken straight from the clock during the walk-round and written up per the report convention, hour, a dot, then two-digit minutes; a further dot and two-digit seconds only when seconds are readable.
9.11
